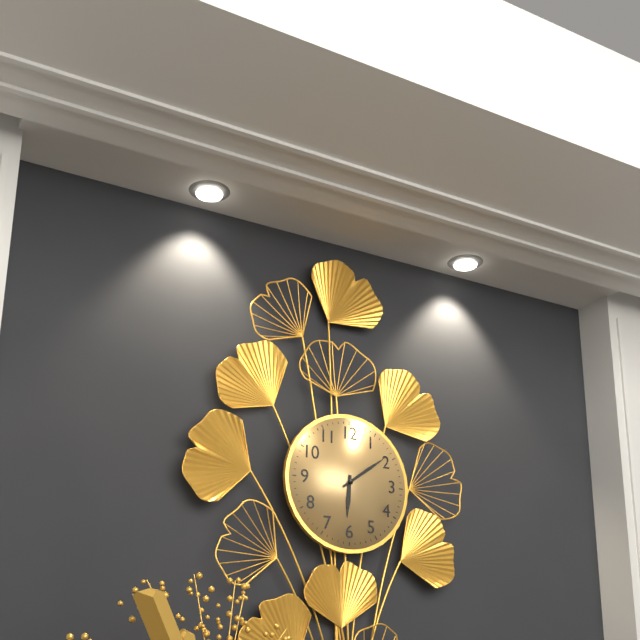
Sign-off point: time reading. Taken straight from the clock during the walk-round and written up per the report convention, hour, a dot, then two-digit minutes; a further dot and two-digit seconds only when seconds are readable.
6.09
